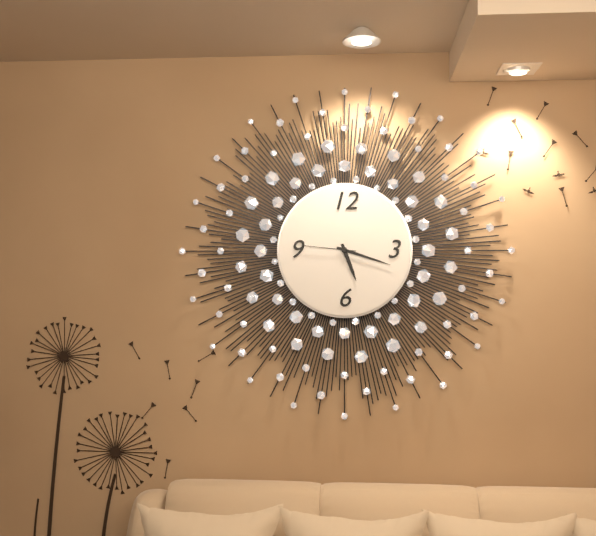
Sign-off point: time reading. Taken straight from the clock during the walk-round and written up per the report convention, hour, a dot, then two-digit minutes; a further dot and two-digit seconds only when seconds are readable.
5.18.46
